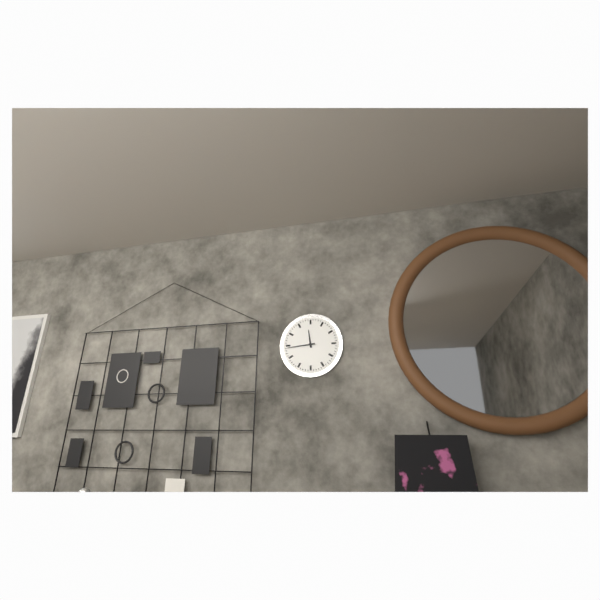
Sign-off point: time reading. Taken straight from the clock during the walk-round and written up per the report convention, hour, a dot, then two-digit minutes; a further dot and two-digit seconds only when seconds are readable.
11.44
